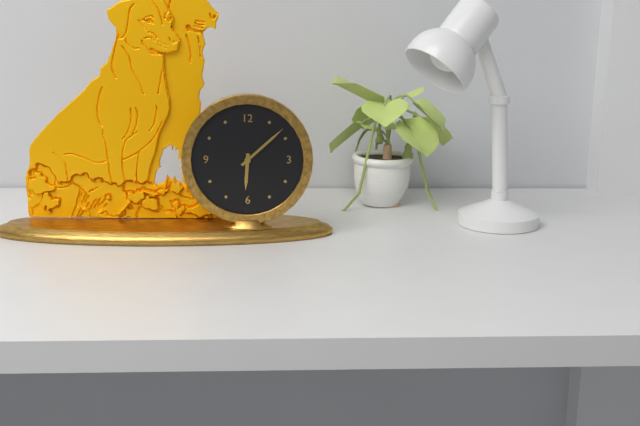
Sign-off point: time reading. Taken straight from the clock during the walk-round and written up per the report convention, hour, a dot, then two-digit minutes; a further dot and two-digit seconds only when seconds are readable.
6.08
